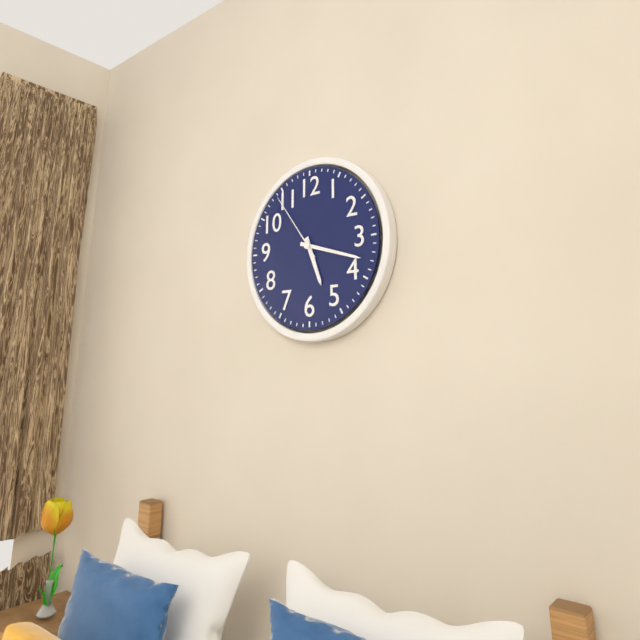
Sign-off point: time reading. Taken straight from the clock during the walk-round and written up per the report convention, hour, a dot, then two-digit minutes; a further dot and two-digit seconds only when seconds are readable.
5.18.54
